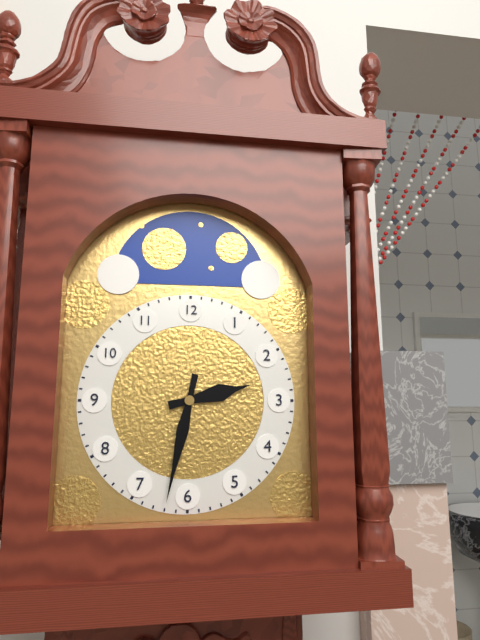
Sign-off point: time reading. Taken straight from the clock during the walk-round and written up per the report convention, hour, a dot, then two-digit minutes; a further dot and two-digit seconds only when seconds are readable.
2.32
